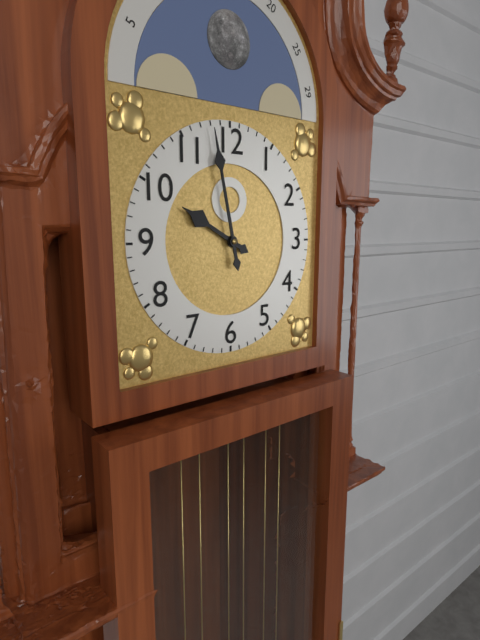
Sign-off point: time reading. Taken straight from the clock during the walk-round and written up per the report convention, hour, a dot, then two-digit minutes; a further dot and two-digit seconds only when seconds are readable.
9.58
